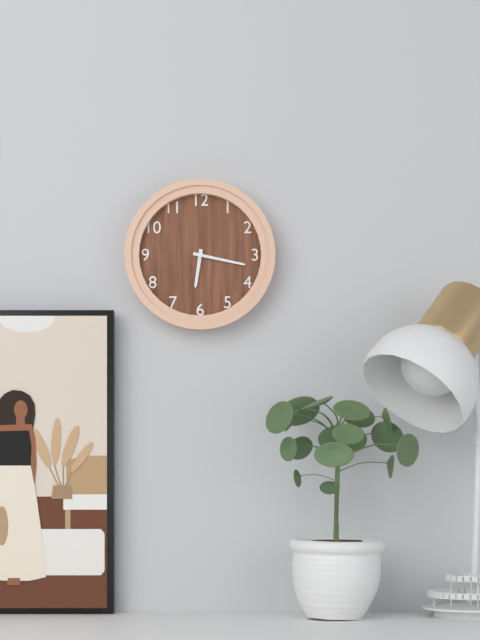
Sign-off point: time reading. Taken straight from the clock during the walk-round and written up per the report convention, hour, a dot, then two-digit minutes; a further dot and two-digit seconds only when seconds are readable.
6.17
